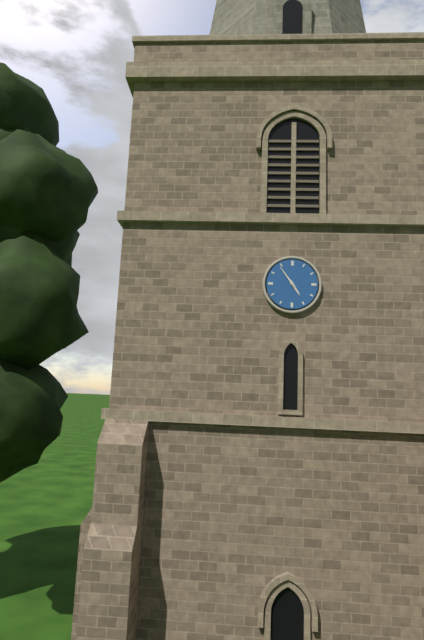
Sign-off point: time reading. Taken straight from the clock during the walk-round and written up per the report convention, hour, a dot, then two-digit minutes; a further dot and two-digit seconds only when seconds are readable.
4.54
